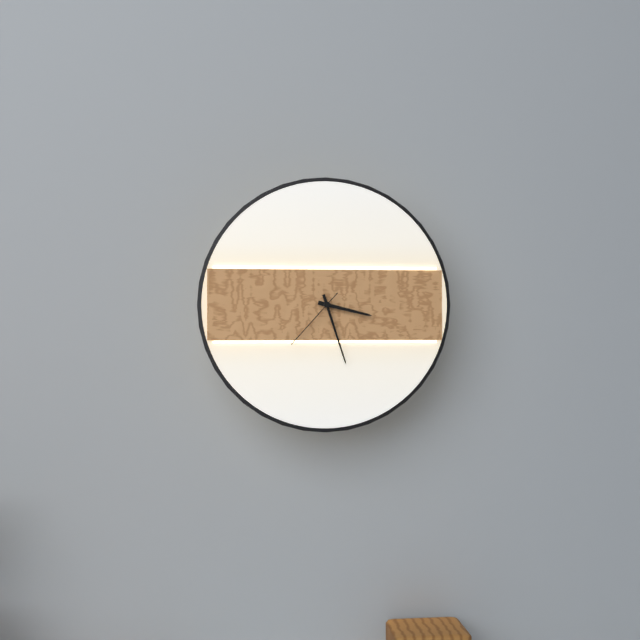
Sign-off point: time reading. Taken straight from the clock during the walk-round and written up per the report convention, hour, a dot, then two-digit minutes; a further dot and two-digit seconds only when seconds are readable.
3.27.37
